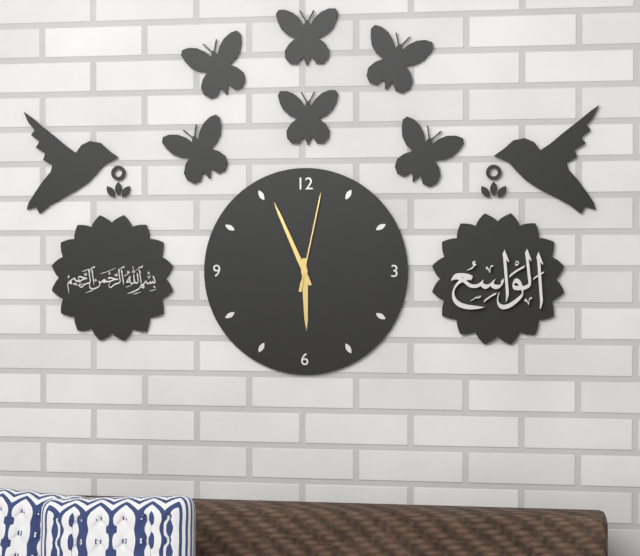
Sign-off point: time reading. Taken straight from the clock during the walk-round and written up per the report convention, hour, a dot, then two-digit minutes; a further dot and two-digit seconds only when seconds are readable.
5.56.02
